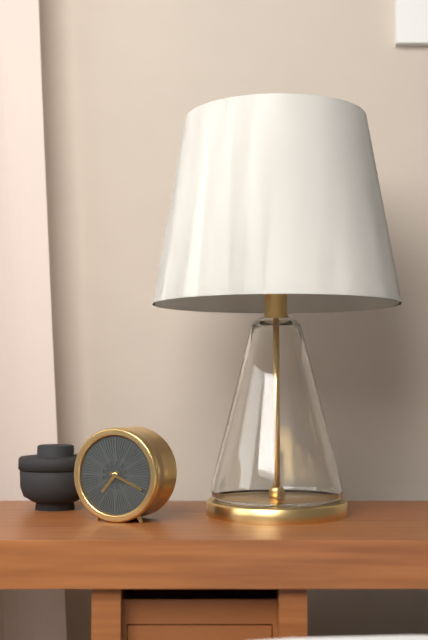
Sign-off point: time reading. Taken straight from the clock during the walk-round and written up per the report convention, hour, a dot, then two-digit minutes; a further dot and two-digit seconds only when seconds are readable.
7.19
